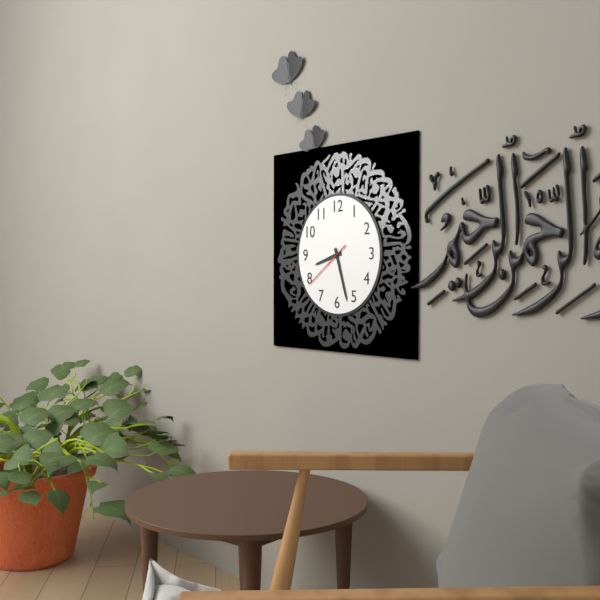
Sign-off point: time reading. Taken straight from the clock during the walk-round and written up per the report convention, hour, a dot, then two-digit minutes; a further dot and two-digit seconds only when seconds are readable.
8.27.39
